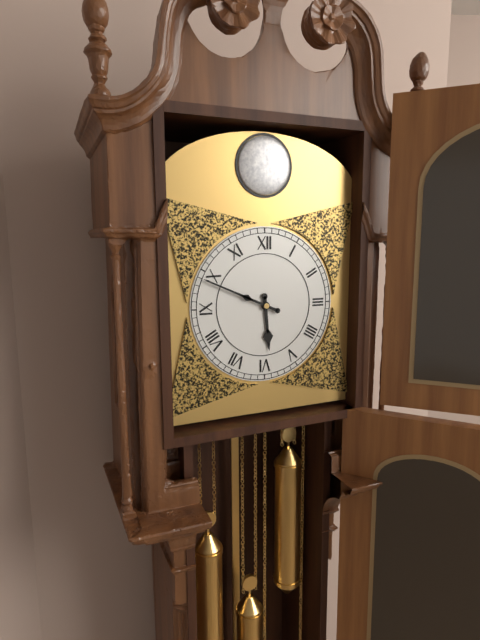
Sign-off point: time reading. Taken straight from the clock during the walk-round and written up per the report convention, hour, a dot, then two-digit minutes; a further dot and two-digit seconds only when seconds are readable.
5.49
